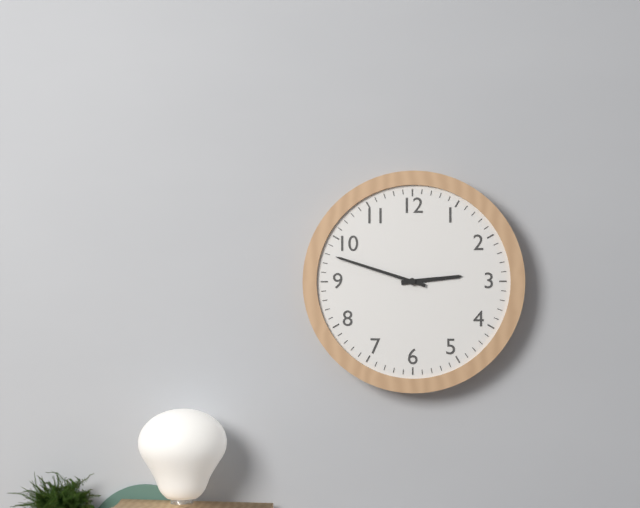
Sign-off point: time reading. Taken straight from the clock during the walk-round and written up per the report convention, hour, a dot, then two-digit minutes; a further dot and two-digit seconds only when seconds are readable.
2.48
